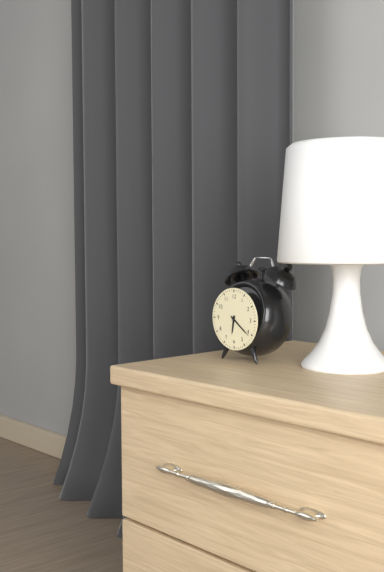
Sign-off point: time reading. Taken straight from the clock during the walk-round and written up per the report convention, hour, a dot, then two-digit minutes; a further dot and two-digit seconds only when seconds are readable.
6.21
